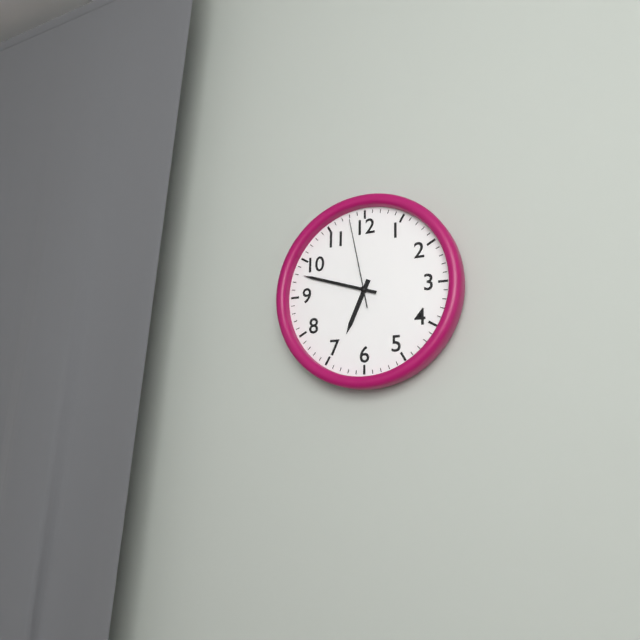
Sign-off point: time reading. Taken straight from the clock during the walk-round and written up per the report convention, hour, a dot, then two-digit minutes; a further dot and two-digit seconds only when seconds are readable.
6.48.58
